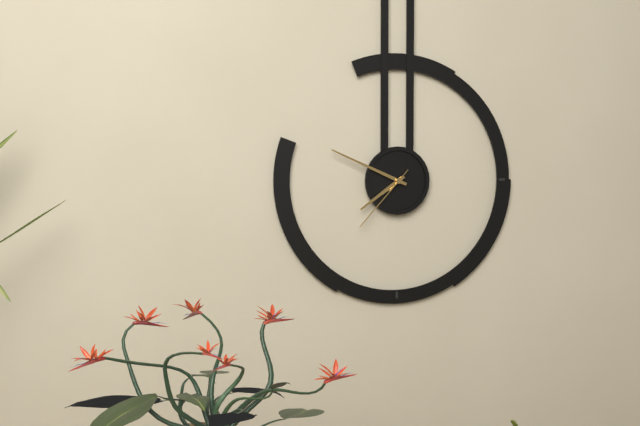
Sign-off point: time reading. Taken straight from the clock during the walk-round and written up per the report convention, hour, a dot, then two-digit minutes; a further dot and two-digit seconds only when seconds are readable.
7.49.37
